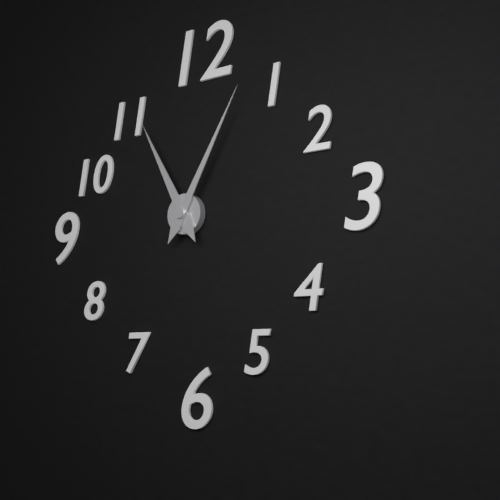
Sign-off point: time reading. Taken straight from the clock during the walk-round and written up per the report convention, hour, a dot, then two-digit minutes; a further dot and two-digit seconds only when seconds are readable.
11.05
